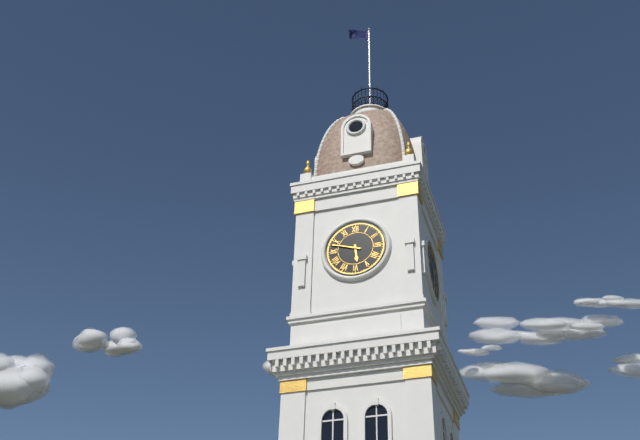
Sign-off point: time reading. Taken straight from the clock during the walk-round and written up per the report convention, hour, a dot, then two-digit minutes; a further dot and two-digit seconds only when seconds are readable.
5.48
